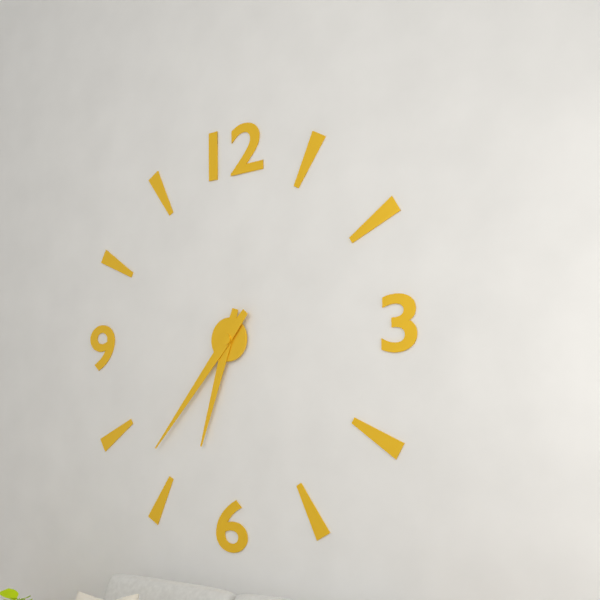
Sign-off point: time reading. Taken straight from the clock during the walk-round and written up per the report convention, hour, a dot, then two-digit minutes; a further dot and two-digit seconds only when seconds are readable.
6.37
